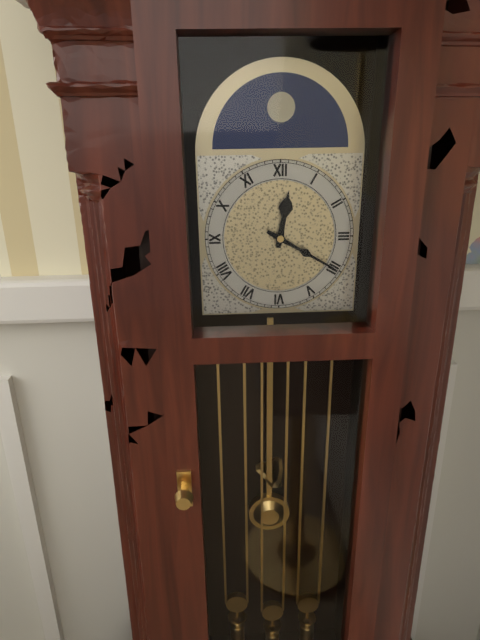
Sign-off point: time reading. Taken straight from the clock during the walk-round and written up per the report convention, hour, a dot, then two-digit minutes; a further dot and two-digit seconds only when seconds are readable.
12.20
